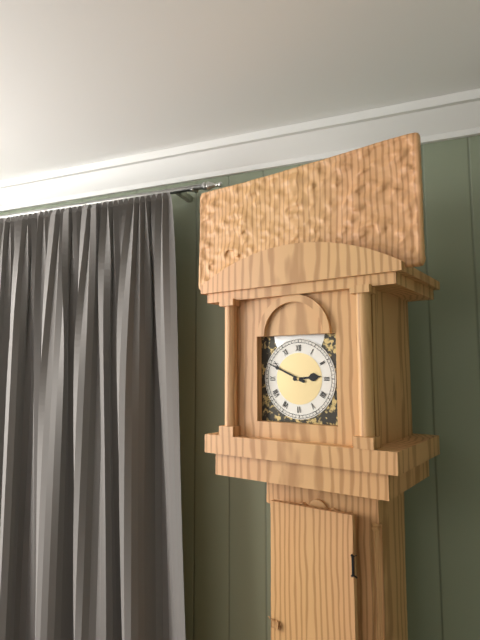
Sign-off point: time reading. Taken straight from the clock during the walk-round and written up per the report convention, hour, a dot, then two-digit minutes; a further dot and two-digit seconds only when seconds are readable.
2.49
